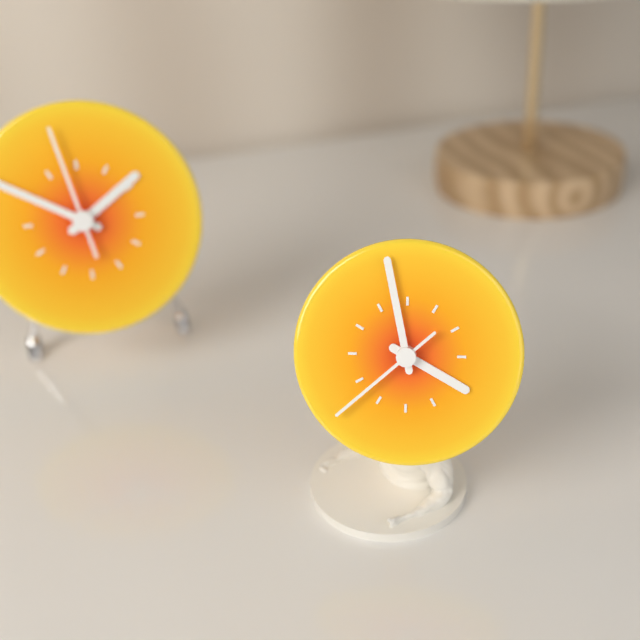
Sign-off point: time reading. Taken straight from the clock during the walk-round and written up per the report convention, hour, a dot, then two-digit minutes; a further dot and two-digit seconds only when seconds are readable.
3.58.38
